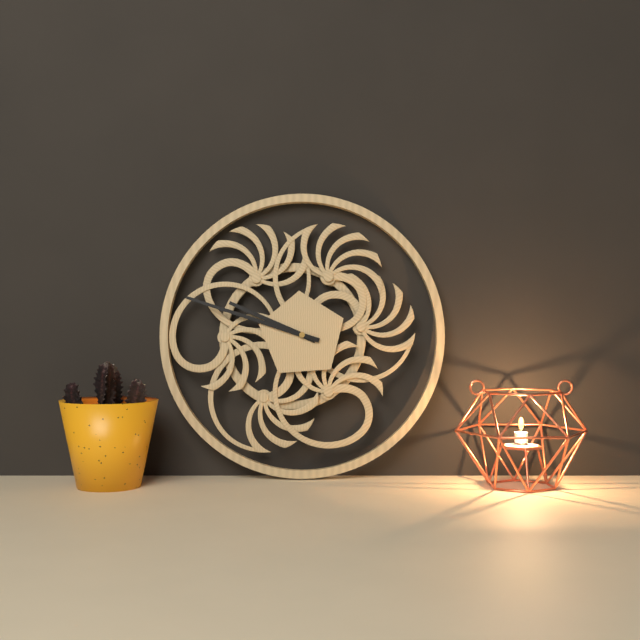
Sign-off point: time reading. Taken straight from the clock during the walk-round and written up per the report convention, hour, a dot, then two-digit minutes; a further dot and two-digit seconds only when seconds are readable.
9.48
